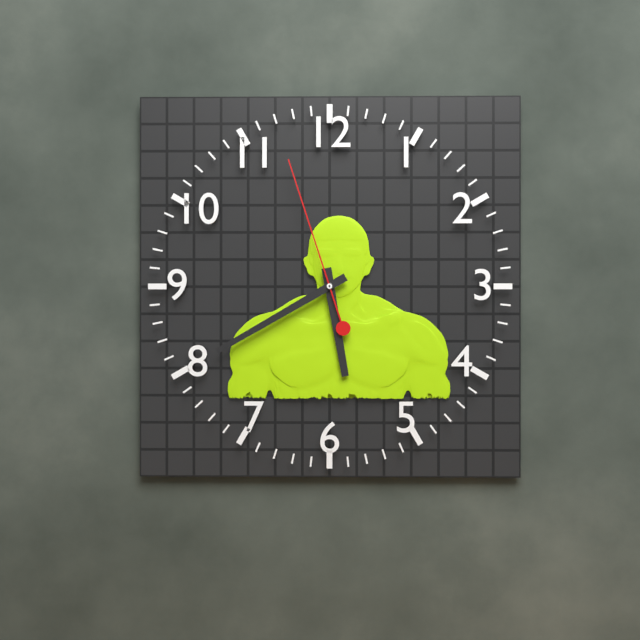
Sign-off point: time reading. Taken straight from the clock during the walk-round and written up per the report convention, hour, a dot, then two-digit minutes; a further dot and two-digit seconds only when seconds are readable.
5.40.57
